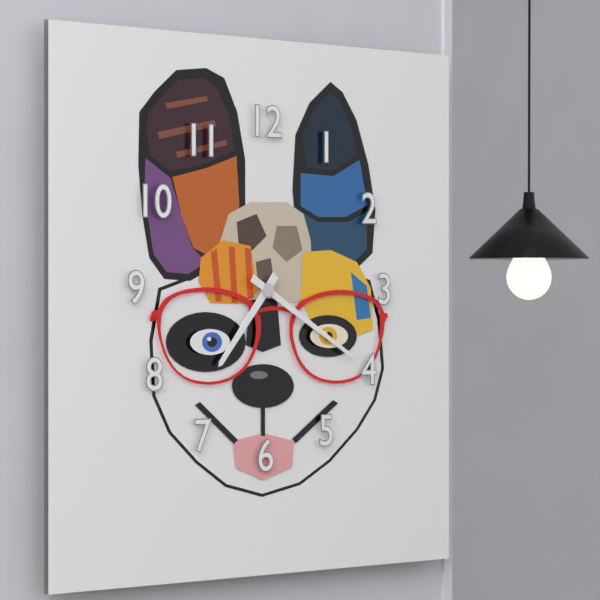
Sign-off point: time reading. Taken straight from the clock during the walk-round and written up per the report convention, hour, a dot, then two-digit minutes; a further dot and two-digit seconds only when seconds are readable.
7.20
